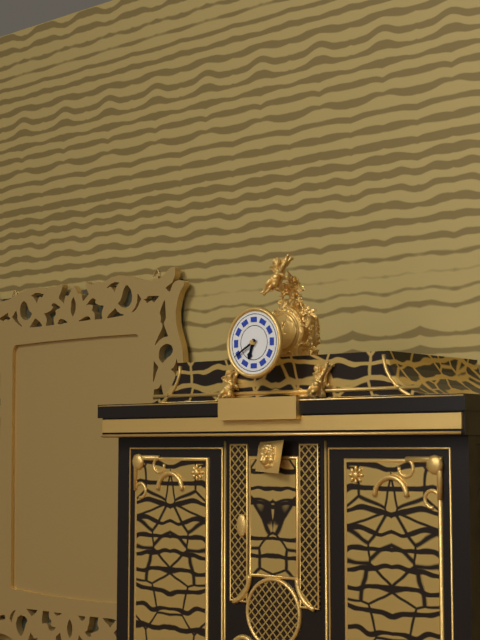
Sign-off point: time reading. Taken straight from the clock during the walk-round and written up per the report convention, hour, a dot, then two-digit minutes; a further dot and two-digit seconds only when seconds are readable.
6.40
